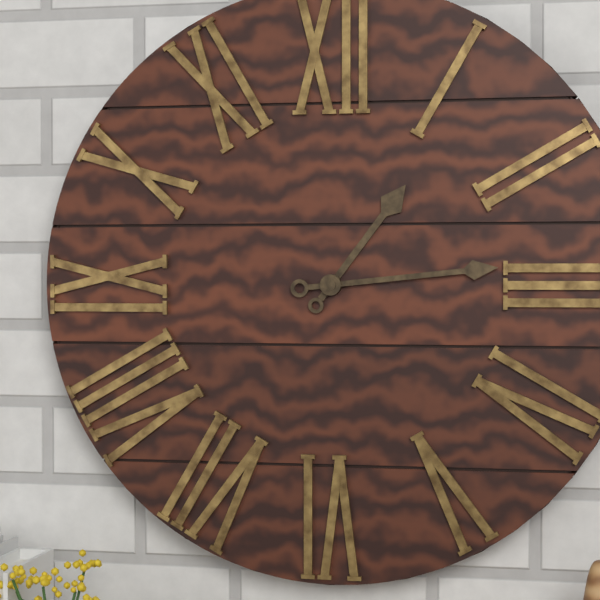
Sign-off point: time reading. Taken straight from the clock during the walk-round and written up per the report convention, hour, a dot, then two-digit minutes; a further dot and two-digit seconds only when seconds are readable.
1.14
